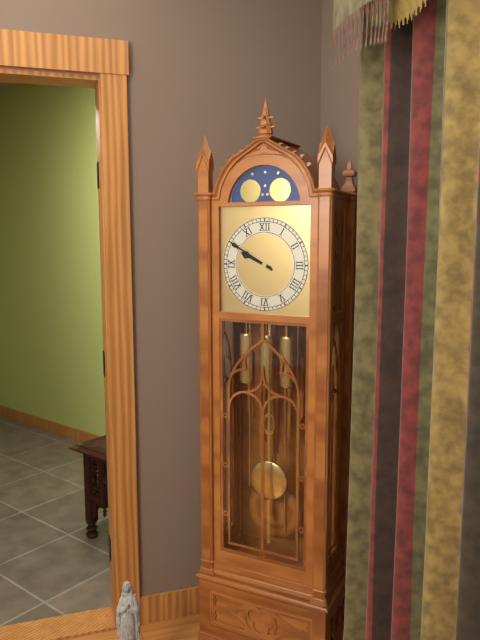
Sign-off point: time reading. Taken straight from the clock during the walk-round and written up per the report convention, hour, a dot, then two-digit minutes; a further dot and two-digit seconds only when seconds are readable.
9.50
